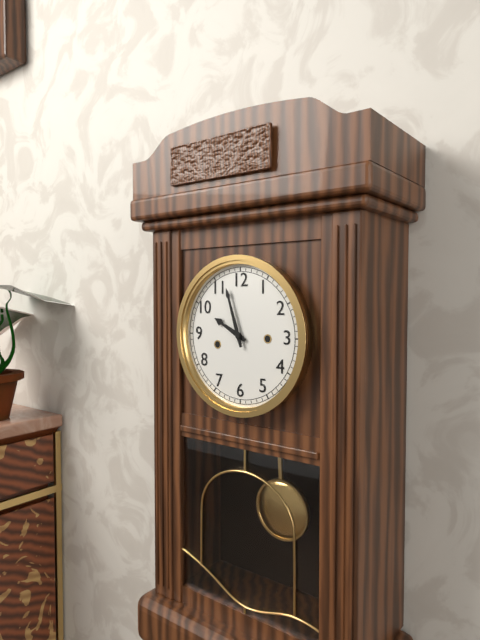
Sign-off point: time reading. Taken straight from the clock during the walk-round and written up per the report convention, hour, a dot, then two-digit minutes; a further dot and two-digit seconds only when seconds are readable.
9.57
